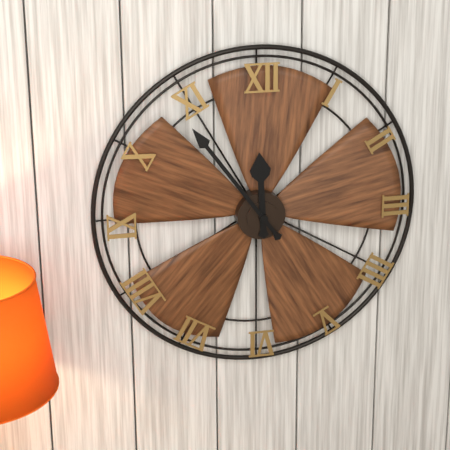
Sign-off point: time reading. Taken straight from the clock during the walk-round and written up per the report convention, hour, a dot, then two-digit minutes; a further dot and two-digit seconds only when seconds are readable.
11.54
